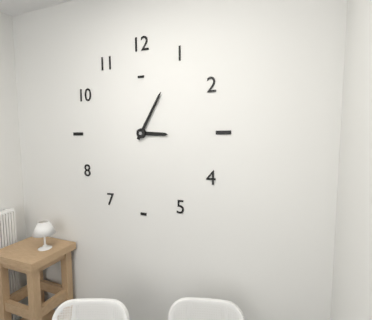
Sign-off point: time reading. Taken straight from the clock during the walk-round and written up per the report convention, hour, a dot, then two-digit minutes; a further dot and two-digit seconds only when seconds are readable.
3.05
